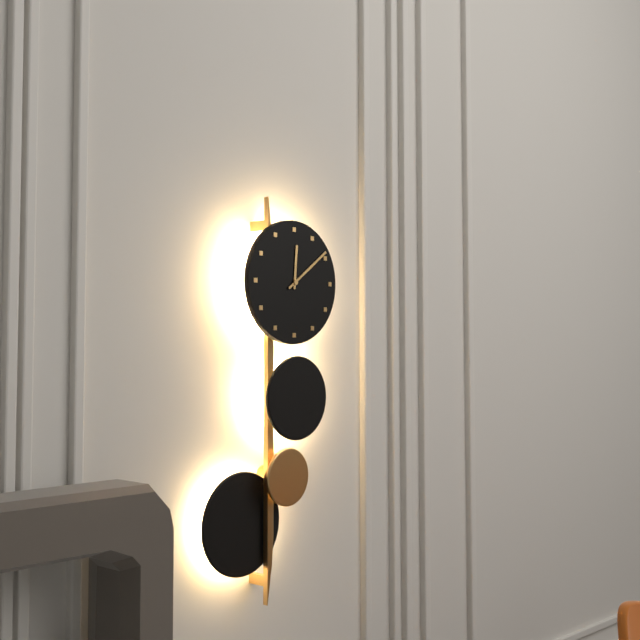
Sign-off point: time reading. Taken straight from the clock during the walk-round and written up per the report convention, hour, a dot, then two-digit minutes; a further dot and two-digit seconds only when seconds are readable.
12.09
